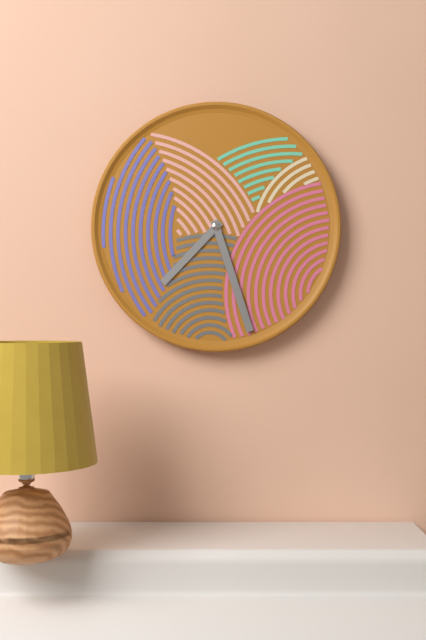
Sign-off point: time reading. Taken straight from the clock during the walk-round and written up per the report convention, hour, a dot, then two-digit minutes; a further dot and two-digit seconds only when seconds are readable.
7.27
